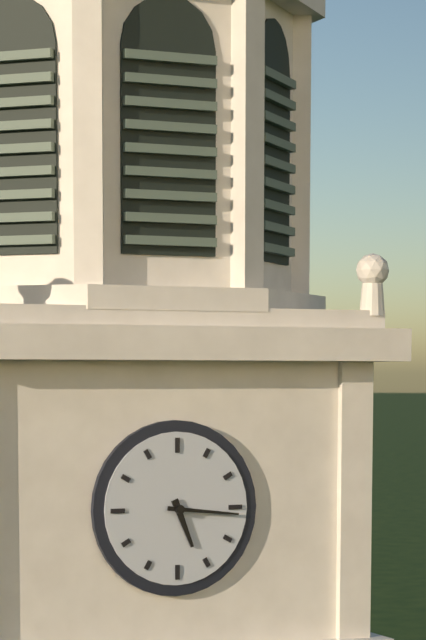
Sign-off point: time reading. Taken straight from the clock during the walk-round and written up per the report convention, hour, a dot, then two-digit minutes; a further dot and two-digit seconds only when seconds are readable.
5.16
